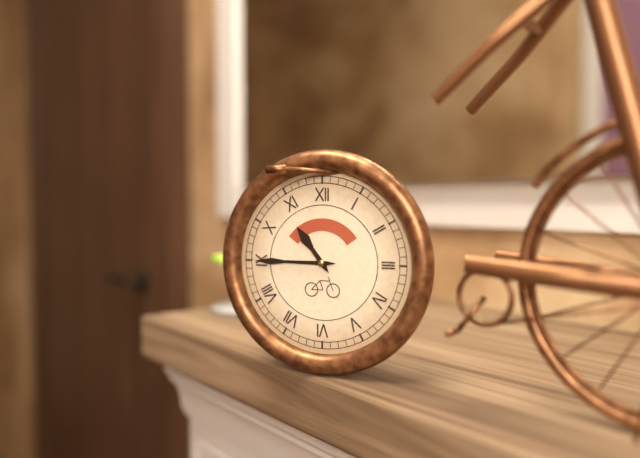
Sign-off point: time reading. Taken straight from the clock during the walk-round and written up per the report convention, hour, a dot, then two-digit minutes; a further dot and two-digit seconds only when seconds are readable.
10.45
